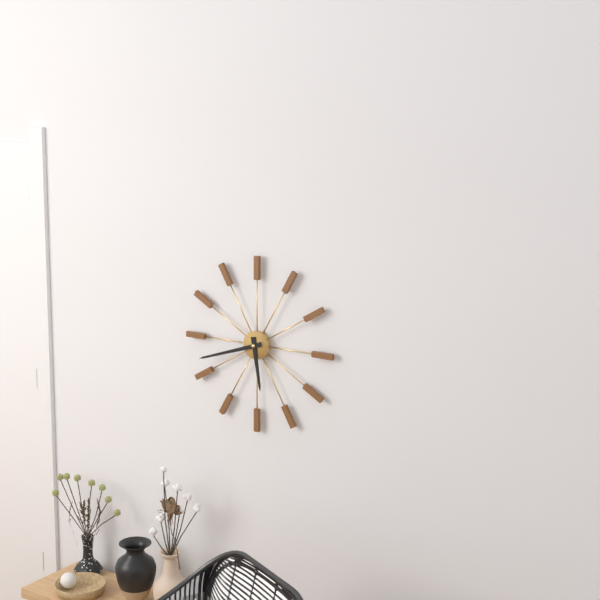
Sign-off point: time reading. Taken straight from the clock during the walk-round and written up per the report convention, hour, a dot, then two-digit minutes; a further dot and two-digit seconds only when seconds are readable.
5.42
